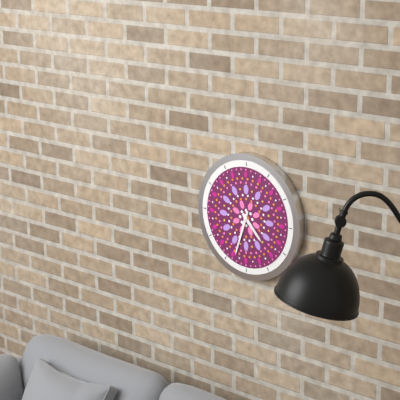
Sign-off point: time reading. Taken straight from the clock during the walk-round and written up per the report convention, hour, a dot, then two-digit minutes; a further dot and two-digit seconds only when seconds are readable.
4.33
